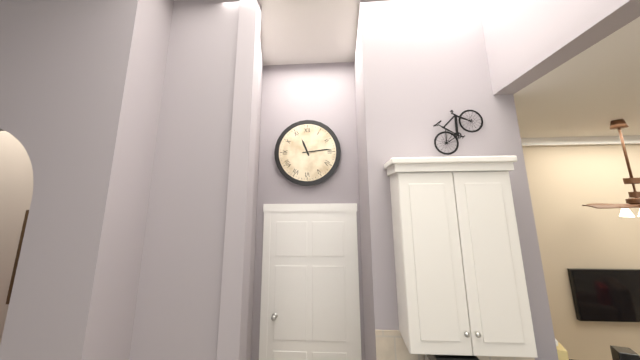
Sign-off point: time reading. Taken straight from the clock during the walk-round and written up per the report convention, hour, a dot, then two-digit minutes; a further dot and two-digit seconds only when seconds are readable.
11.14
